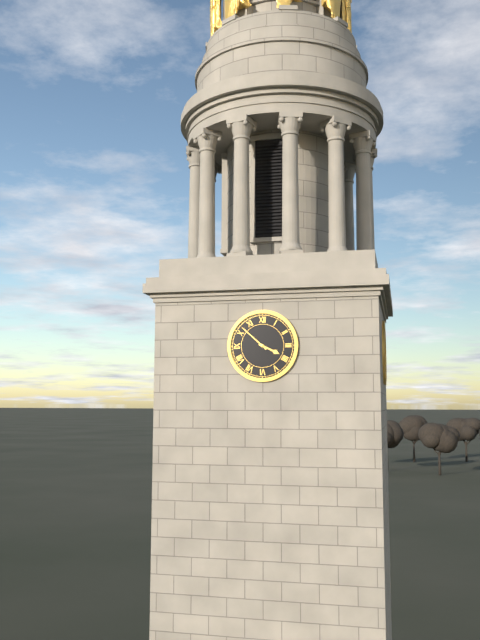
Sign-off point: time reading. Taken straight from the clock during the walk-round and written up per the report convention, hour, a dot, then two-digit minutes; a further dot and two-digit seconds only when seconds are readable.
3.52
